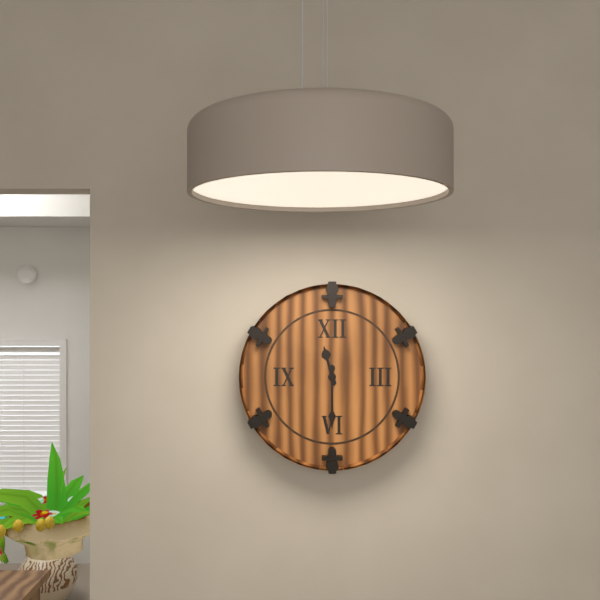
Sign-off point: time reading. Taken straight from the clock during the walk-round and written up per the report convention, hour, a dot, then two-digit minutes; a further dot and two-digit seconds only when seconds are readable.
11.30
